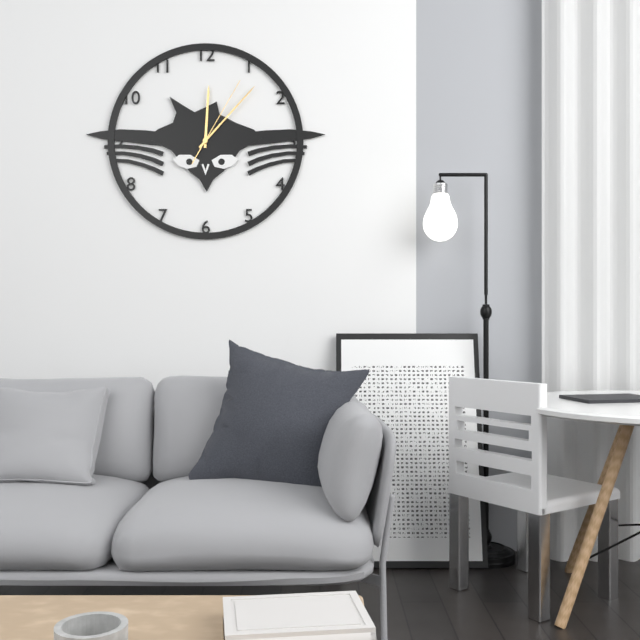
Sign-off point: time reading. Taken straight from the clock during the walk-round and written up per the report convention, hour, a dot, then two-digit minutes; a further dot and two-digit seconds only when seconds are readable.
12.07.05
